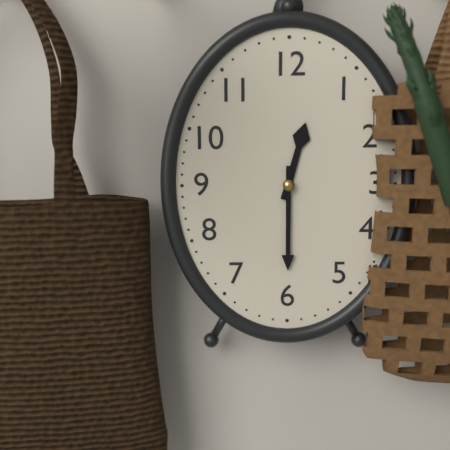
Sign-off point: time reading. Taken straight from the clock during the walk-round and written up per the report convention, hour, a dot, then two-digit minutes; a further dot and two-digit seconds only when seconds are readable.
12.30
